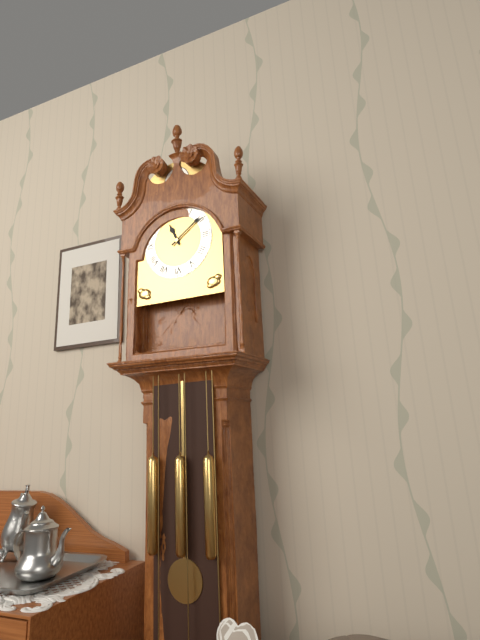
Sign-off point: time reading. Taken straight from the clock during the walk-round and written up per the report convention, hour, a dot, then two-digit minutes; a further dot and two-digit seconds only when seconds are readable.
11.09
